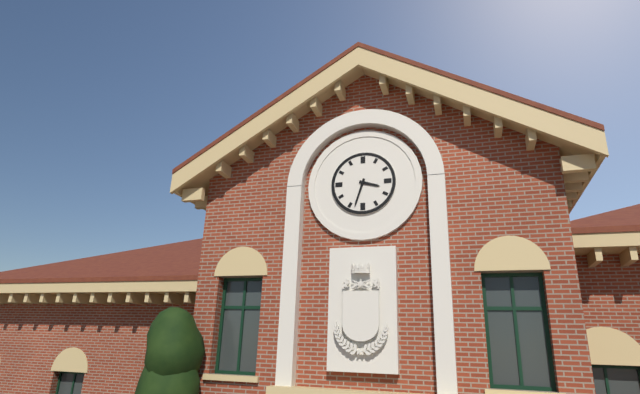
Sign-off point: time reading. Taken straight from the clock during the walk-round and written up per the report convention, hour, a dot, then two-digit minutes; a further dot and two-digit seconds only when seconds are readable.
3.33
